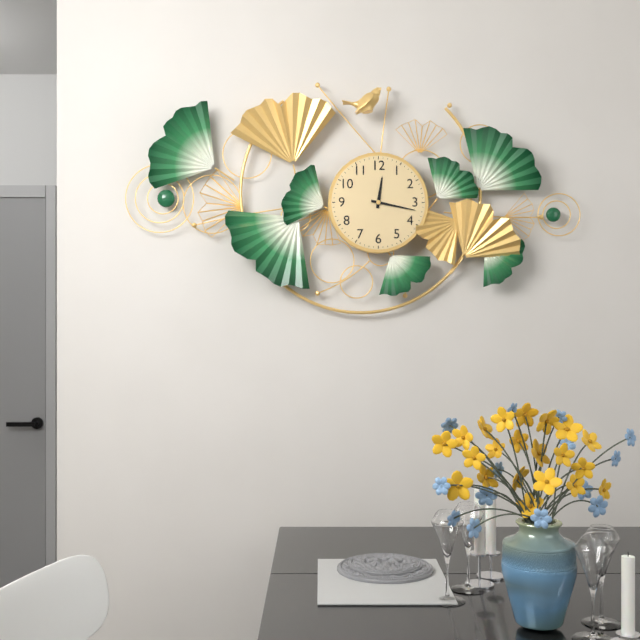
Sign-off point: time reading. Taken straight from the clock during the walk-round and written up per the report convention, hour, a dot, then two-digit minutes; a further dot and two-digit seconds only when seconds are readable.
12.17
